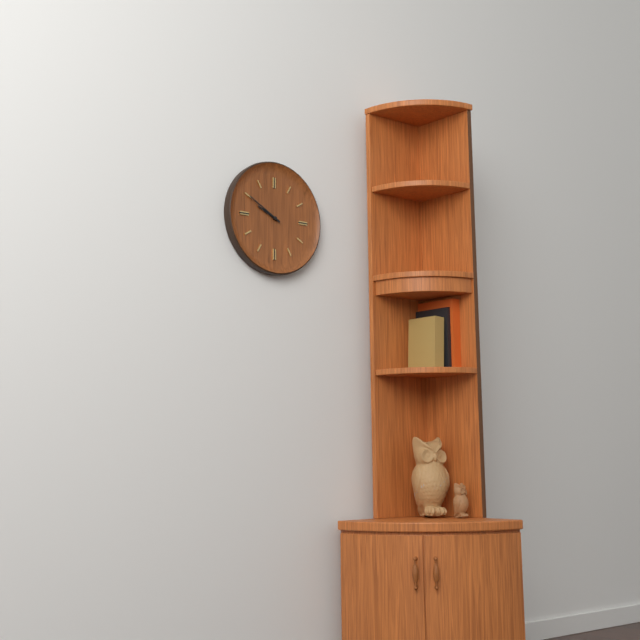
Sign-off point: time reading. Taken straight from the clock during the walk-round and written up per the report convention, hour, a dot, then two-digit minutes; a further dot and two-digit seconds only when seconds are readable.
9.50
